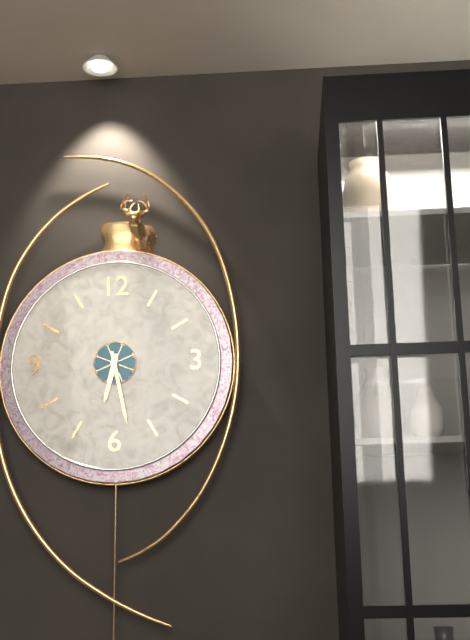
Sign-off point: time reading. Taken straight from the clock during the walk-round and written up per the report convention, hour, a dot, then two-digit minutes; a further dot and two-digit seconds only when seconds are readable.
6.28
